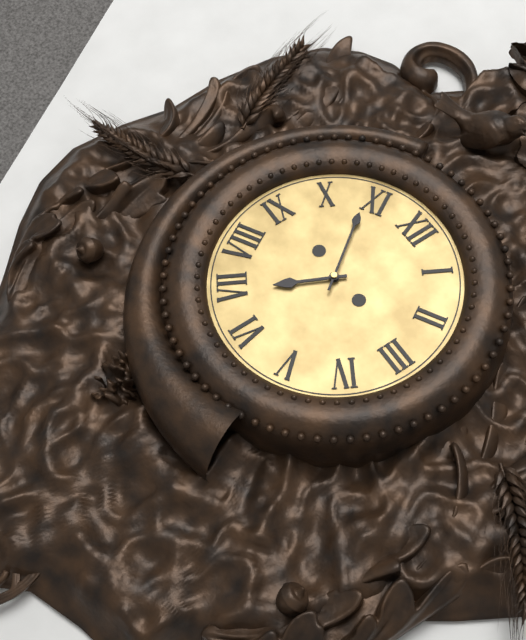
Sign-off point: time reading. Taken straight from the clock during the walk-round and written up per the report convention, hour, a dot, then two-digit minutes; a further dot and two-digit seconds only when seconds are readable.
6.54
